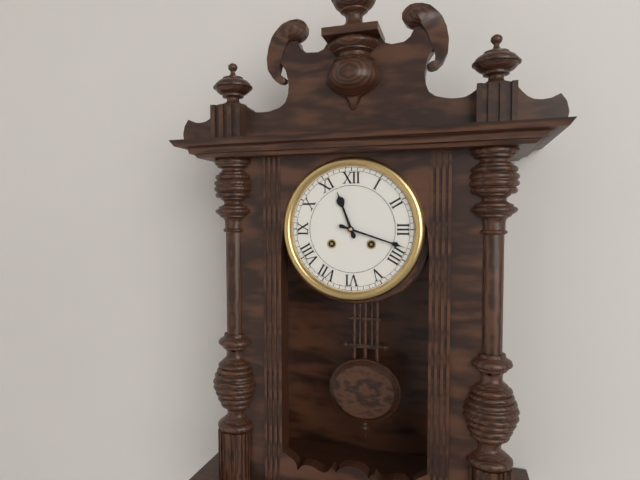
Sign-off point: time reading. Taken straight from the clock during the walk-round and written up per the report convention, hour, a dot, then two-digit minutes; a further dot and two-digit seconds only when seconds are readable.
11.18
